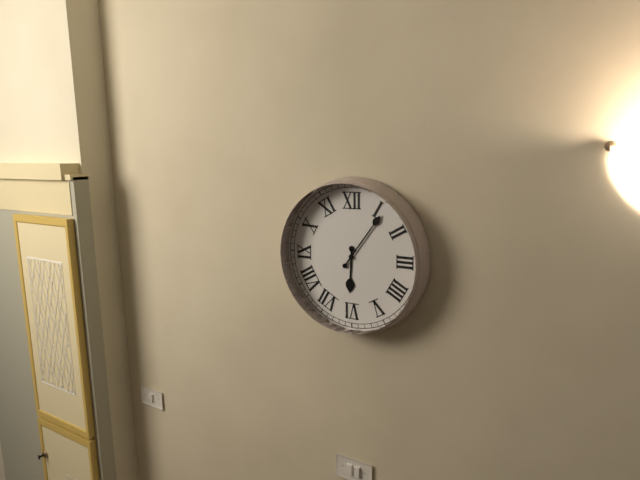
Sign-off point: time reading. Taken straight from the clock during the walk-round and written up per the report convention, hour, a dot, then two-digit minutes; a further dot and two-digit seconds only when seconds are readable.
6.06
